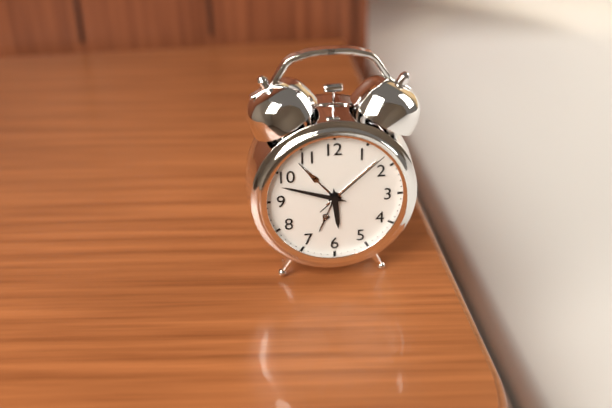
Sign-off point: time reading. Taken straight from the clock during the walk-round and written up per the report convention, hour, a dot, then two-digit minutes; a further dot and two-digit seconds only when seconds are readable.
5.48.08
